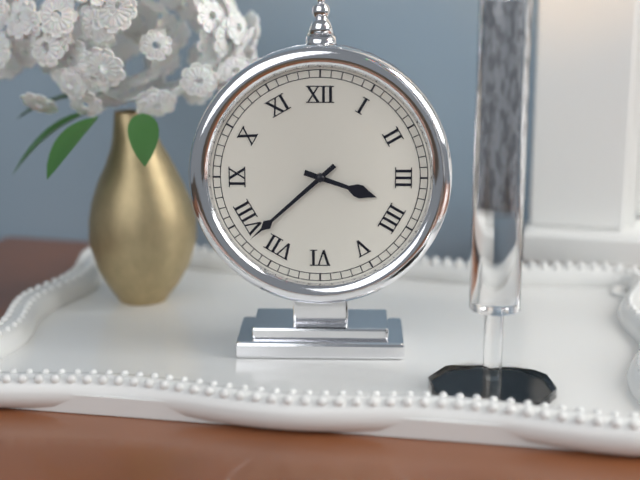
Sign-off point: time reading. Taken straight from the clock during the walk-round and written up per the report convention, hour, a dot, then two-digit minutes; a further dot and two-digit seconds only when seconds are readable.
3.38
